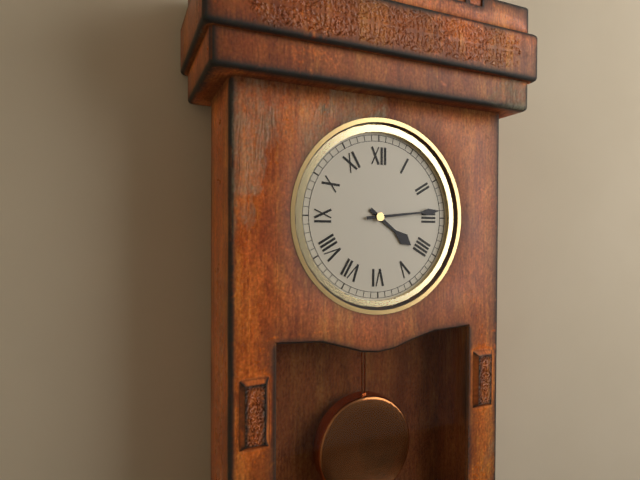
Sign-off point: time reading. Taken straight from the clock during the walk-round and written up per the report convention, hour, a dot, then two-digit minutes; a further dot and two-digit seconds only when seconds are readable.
4.14
